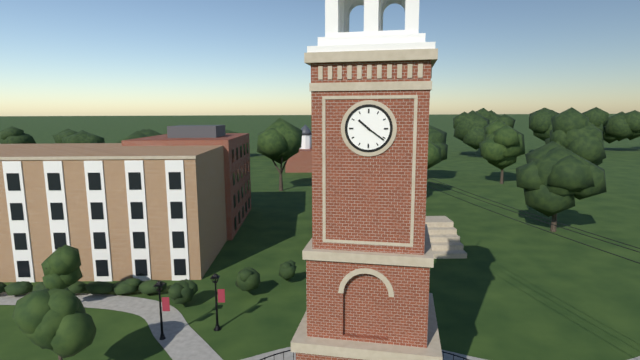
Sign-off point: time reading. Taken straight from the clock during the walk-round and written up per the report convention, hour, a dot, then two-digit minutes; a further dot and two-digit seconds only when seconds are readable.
10.21
